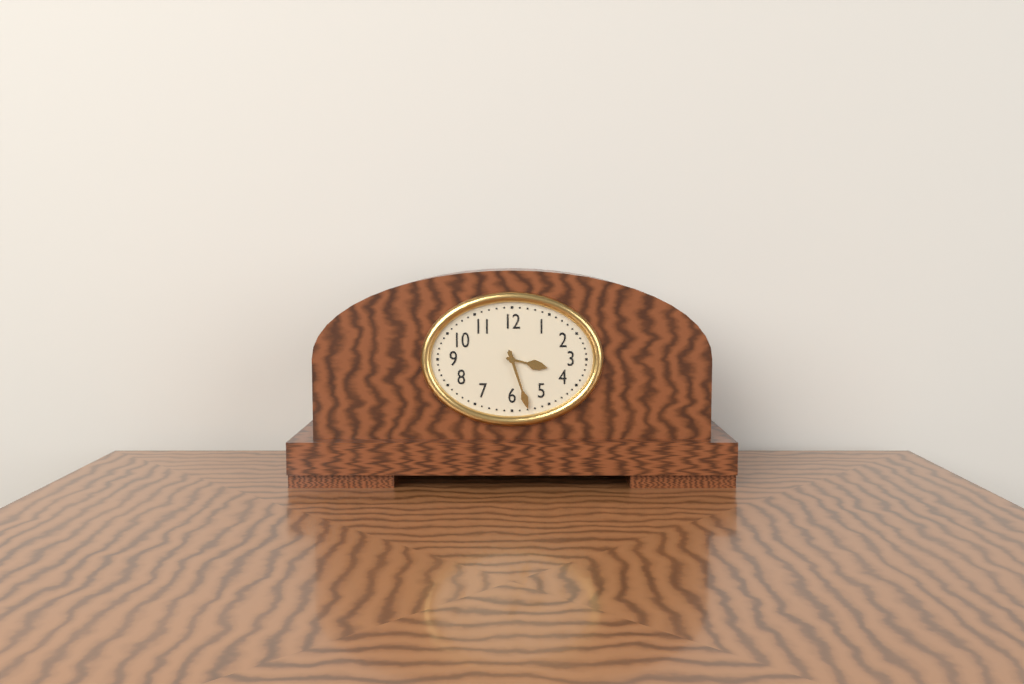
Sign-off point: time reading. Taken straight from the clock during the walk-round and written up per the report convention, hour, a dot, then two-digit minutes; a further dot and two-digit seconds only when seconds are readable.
3.27
